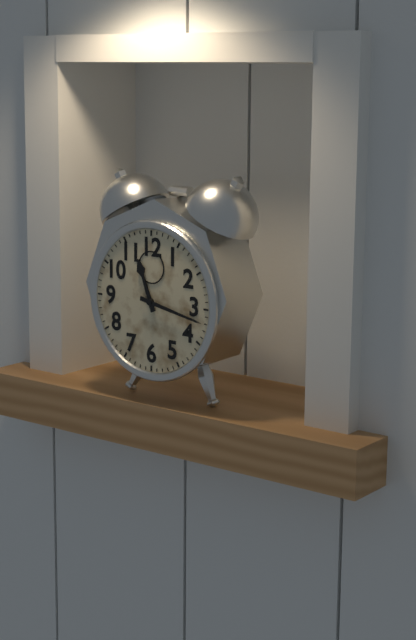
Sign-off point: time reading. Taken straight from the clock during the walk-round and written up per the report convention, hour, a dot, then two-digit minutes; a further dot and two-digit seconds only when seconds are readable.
11.17
